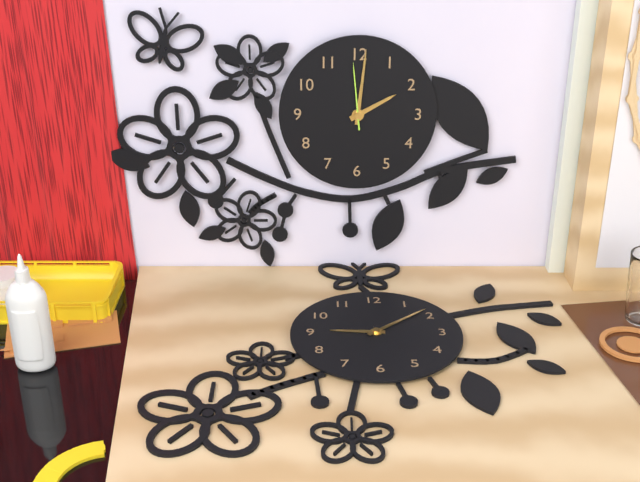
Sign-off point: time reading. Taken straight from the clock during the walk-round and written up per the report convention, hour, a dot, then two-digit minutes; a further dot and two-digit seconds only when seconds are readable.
2.01.59
